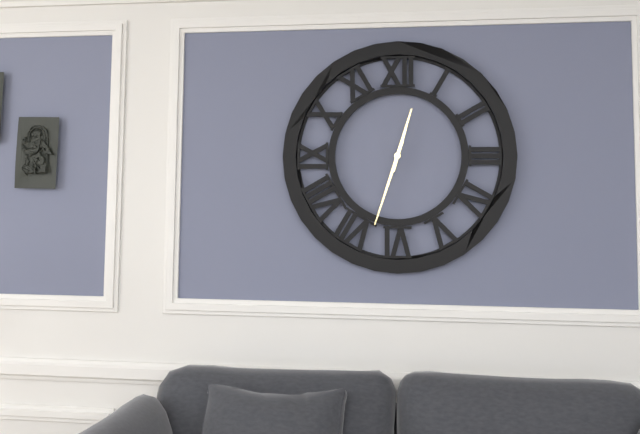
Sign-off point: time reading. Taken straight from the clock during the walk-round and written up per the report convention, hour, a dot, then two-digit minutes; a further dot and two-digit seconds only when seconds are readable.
12.33
